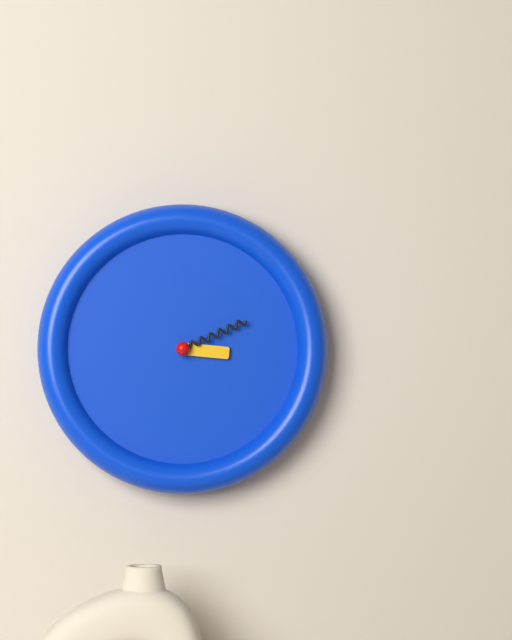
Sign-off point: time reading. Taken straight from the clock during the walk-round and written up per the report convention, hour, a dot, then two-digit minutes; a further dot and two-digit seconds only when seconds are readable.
3.11
